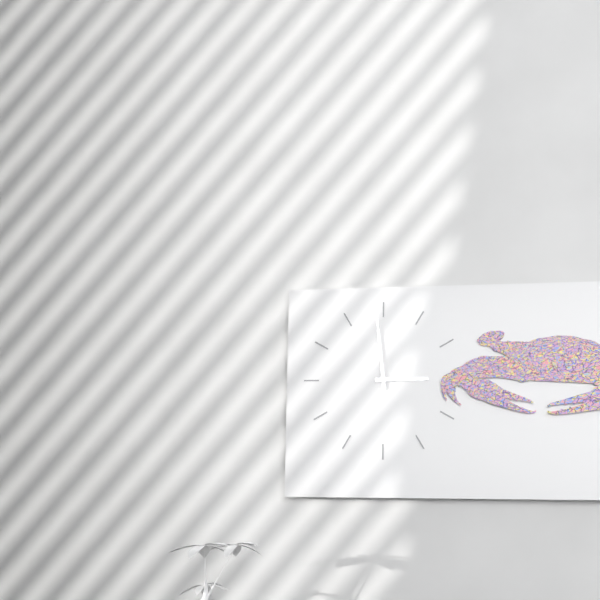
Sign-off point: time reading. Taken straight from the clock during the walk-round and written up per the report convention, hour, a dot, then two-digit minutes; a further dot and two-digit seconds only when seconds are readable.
2.59
